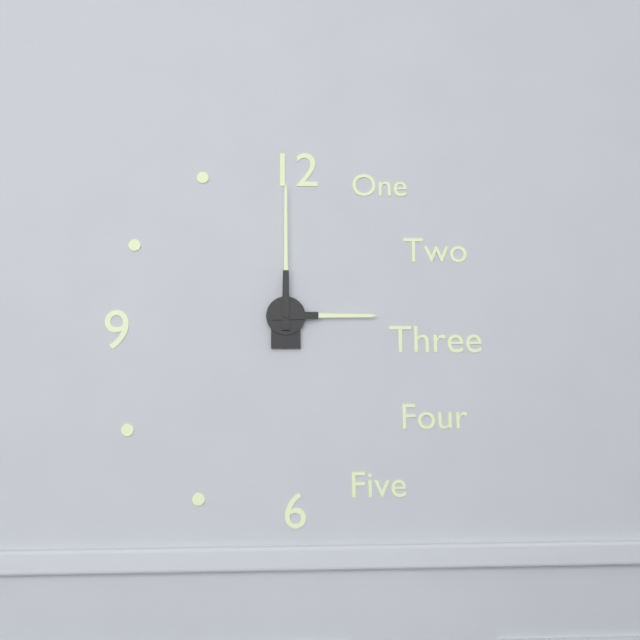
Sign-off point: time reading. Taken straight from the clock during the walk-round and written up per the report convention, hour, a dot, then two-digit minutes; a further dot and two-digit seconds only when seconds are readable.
3.00
